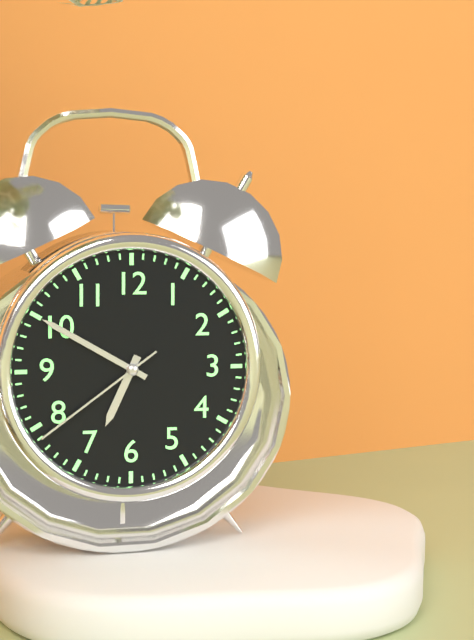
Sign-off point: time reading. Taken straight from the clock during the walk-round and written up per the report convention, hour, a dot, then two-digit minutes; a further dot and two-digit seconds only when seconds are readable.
6.50.39
